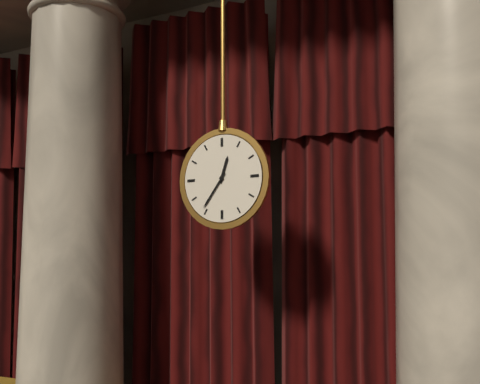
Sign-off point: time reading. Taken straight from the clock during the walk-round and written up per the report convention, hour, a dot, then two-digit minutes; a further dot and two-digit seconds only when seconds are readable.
12.36
